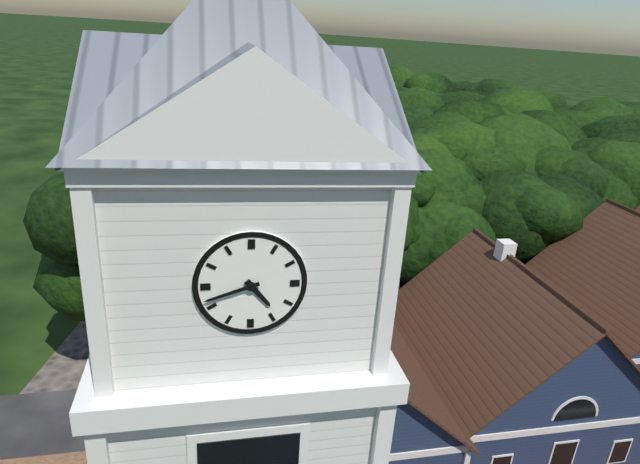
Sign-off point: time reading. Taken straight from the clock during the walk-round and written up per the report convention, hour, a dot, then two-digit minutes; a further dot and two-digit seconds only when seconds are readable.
4.42
